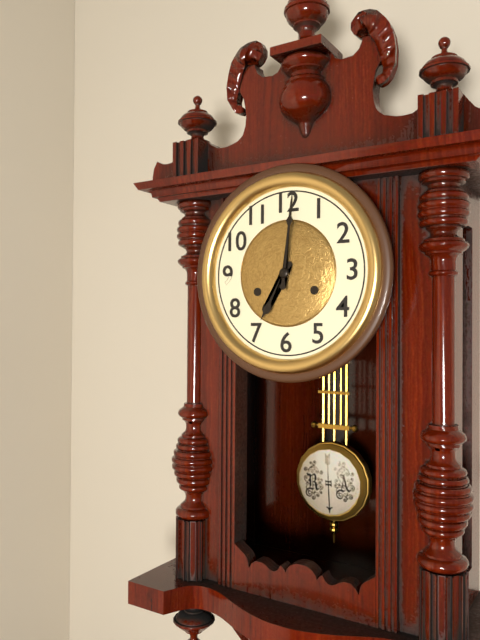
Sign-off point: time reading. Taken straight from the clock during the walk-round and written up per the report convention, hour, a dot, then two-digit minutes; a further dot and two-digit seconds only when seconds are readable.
7.01
